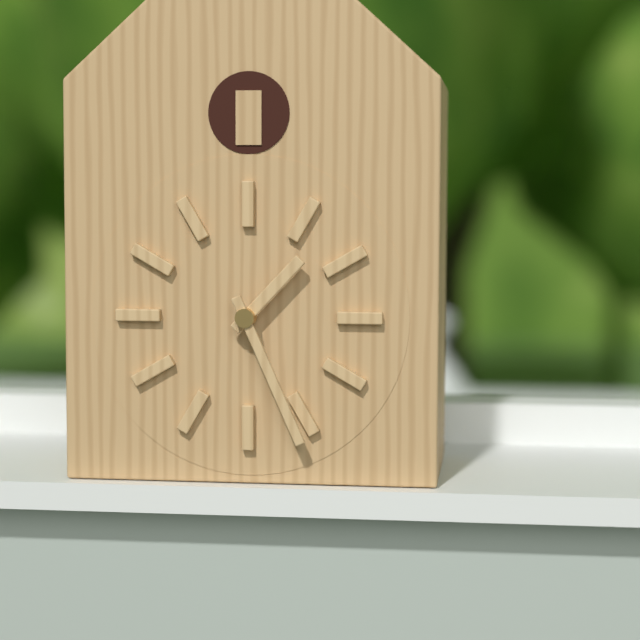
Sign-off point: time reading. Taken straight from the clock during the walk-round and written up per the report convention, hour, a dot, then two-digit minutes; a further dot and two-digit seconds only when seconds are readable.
1.26
